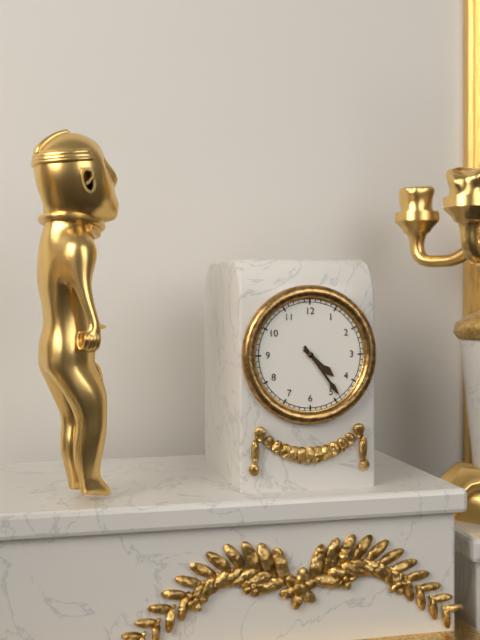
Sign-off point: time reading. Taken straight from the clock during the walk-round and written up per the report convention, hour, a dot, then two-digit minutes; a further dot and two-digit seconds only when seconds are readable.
4.24
